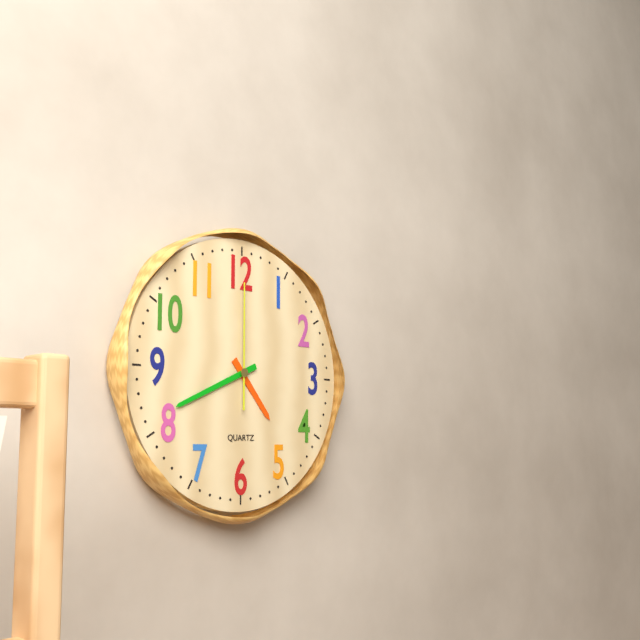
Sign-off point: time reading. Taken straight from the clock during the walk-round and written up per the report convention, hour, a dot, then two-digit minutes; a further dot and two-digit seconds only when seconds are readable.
4.41.00
